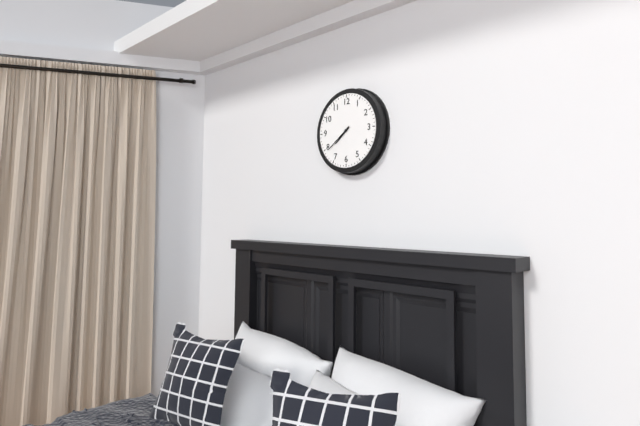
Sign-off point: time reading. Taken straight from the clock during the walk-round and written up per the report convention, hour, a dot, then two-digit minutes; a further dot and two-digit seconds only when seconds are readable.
7.39
